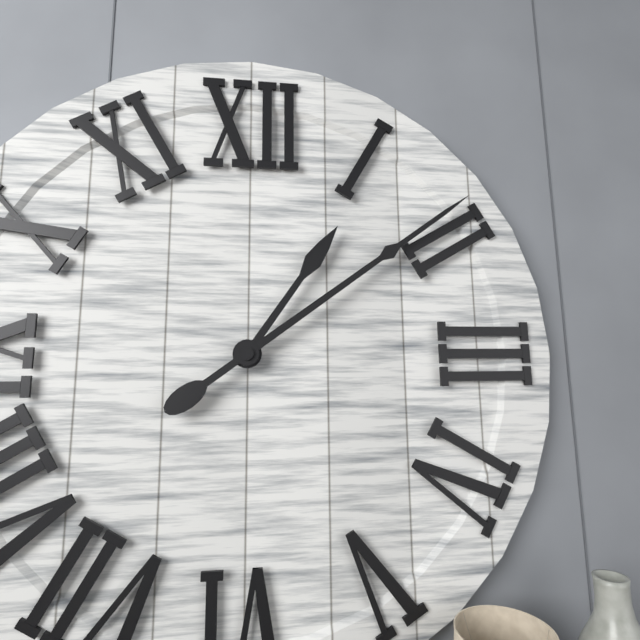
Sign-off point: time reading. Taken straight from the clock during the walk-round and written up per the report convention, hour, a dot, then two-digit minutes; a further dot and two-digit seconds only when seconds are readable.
1.09
